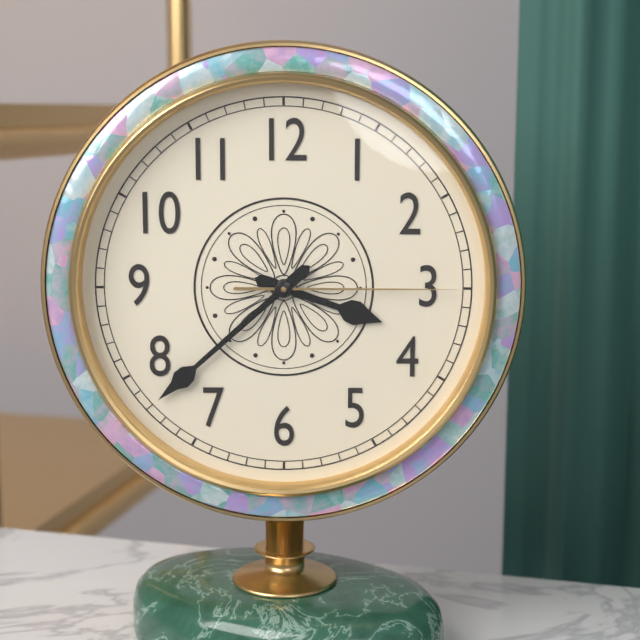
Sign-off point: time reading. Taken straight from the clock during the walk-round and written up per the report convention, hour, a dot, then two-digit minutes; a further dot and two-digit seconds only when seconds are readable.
3.38.15
